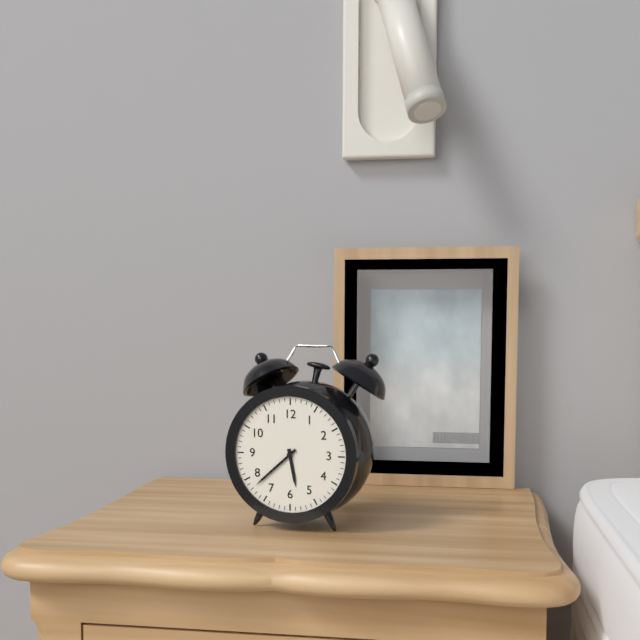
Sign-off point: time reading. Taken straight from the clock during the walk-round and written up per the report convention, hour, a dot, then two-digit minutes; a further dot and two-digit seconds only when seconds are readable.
5.38
